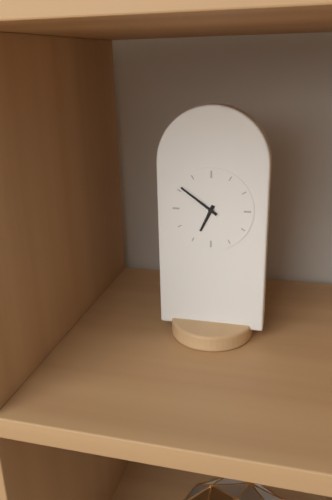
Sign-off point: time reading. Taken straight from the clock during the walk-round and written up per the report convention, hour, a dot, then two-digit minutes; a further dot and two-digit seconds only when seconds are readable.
6.51
